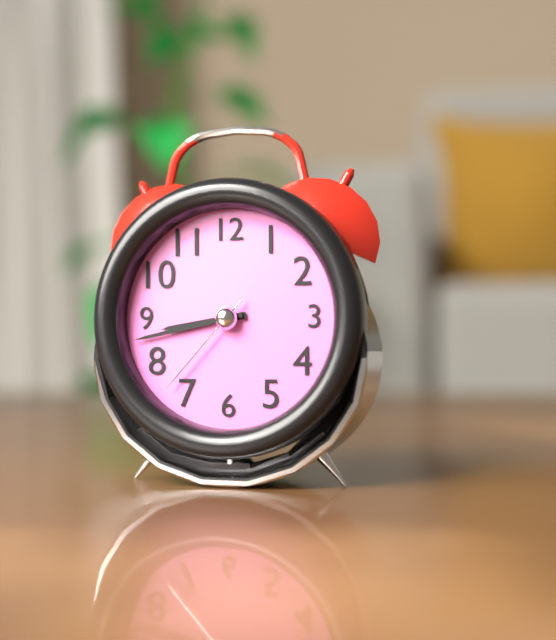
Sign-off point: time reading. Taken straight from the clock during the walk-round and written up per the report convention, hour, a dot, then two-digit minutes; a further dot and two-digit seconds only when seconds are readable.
8.43.37
